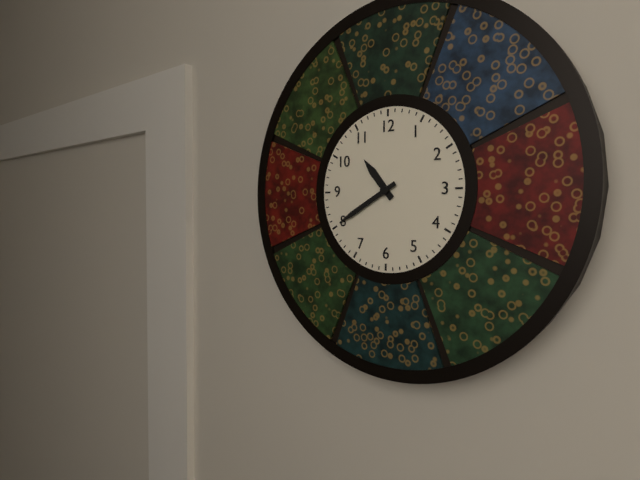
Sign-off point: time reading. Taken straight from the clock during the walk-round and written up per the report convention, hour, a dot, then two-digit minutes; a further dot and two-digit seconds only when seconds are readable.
10.40
